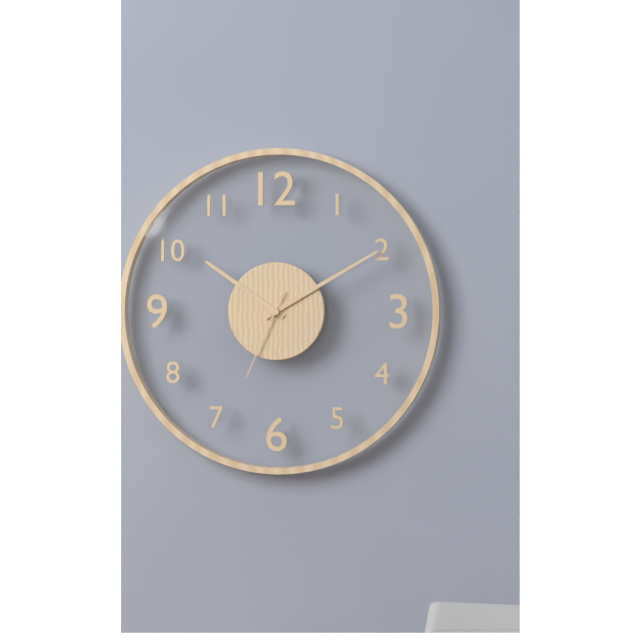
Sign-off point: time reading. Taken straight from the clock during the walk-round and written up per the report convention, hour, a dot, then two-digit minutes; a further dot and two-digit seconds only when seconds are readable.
10.10.34
